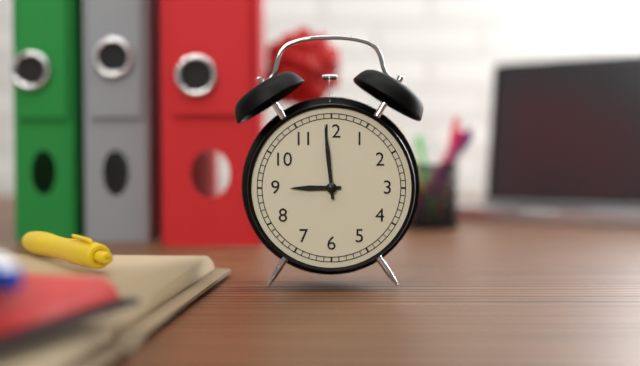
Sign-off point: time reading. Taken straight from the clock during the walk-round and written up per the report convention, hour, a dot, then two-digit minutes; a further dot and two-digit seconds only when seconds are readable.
8.59
